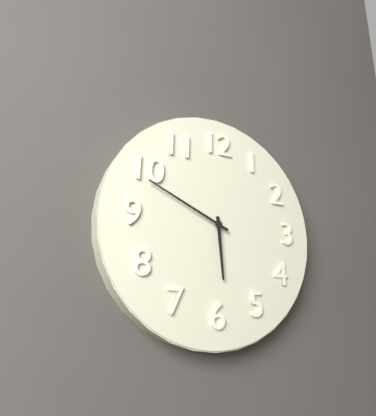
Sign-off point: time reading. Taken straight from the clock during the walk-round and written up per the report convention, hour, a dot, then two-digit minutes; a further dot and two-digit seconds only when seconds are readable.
5.49
